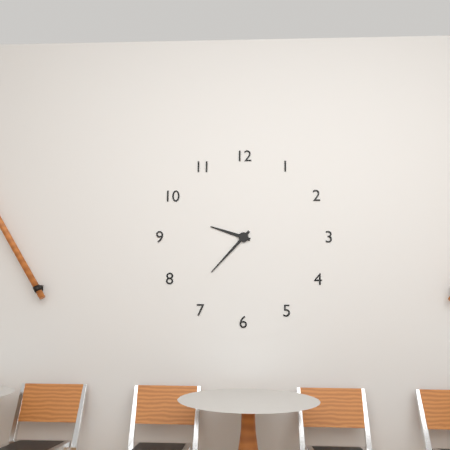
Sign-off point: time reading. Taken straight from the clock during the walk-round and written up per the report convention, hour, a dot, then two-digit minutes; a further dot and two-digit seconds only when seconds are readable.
9.37
